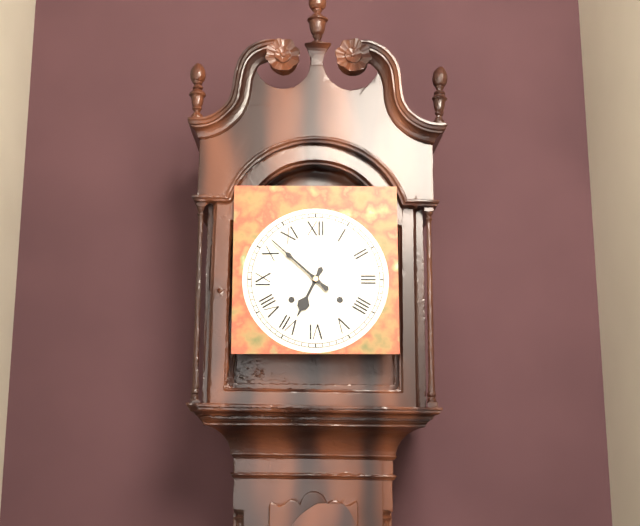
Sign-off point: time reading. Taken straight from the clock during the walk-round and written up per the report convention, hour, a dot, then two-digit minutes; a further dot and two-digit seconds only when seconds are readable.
6.52
